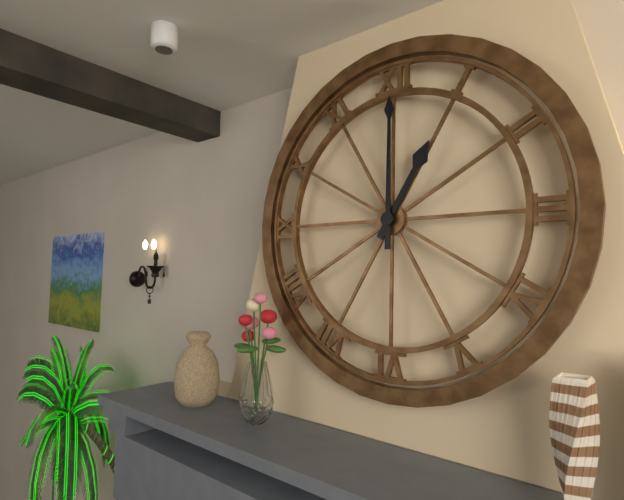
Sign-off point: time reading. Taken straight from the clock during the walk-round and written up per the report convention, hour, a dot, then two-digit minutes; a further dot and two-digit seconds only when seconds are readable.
1.00
